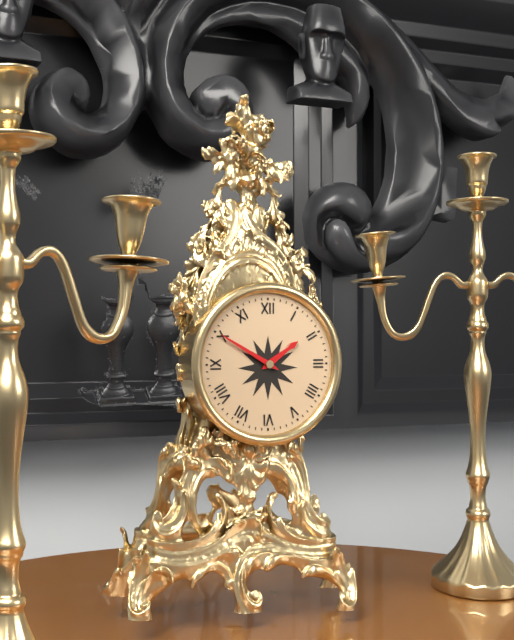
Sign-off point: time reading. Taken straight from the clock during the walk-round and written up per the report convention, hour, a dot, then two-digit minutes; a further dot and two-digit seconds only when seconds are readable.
1.50
